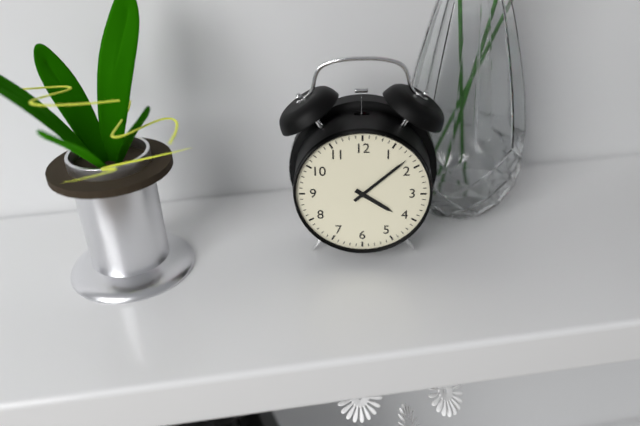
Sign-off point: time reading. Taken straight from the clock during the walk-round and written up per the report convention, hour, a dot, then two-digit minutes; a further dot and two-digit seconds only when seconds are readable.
4.08
